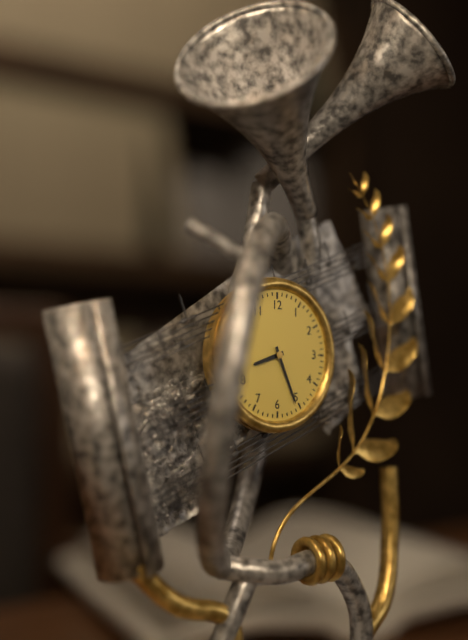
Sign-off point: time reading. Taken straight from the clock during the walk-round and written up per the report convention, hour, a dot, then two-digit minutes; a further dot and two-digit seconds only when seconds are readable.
8.26
